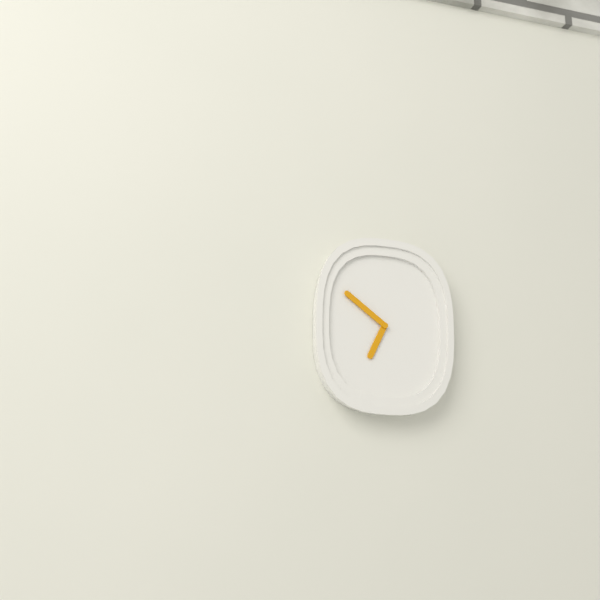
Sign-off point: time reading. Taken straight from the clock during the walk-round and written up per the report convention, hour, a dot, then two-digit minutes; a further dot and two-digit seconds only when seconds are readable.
6.51
